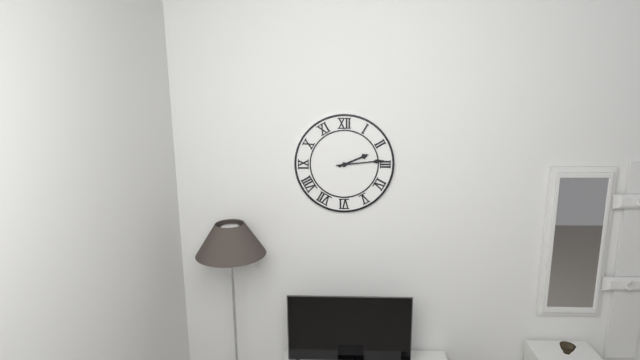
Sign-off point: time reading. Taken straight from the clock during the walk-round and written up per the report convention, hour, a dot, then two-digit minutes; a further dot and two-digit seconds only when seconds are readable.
2.14
